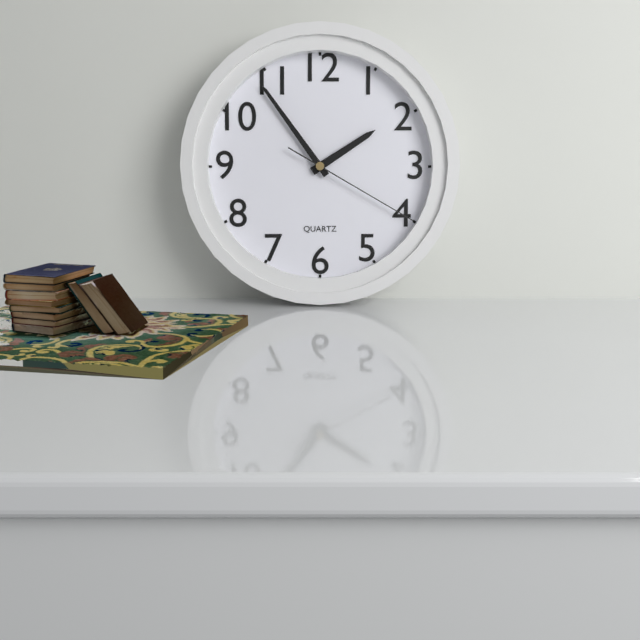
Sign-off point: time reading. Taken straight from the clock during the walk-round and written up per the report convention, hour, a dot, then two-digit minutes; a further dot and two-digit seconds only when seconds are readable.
1.54.20
